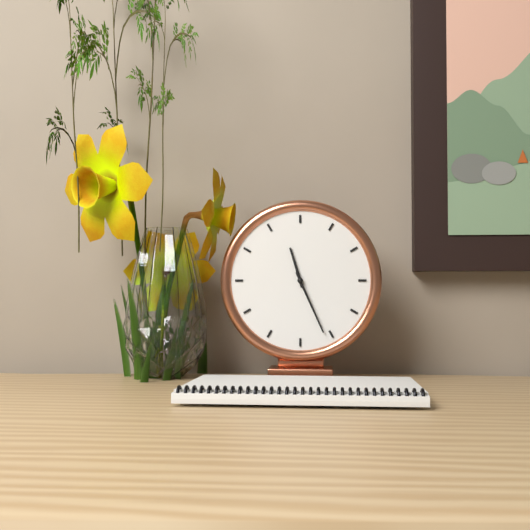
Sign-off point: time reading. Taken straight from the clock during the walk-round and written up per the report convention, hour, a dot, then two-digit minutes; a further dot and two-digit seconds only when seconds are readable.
11.26
